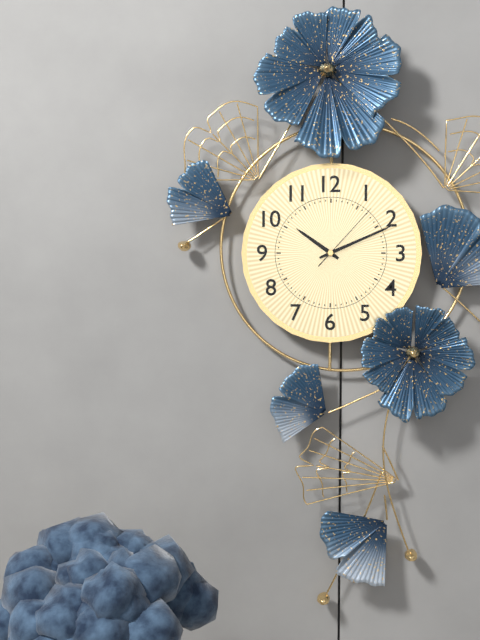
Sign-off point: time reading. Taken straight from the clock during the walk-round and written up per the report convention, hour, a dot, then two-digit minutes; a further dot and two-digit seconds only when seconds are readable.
10.11.07
